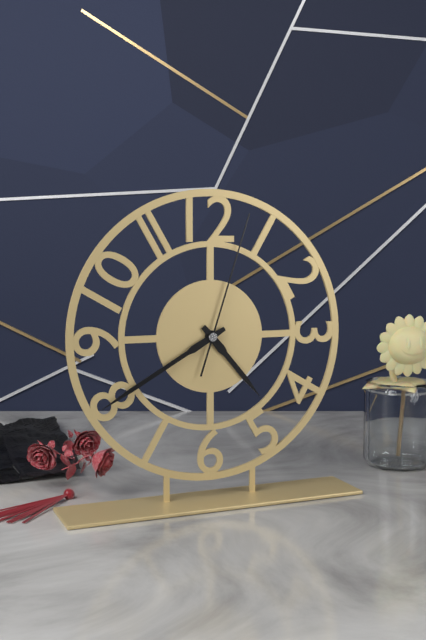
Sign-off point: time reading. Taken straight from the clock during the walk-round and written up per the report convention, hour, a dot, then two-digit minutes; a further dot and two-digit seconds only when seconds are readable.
4.40.03
